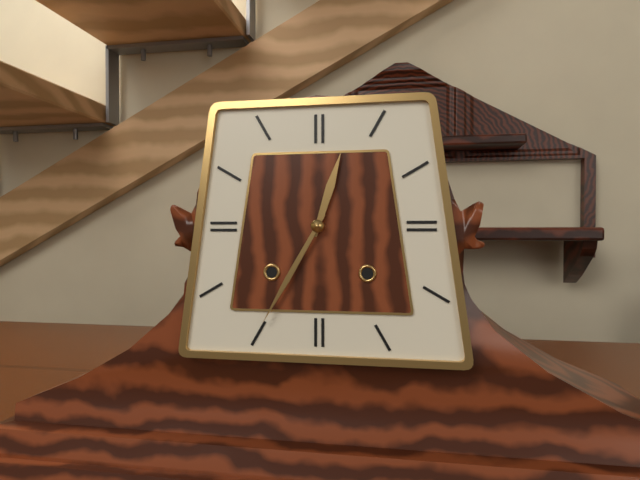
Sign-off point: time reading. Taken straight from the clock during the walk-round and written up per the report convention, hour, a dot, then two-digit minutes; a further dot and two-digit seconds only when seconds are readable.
12.35
